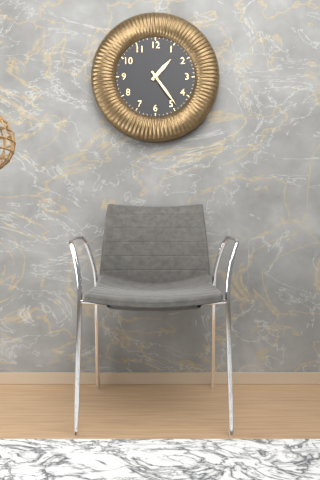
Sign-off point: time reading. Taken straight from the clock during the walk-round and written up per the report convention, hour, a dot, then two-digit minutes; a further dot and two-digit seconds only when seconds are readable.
1.24
